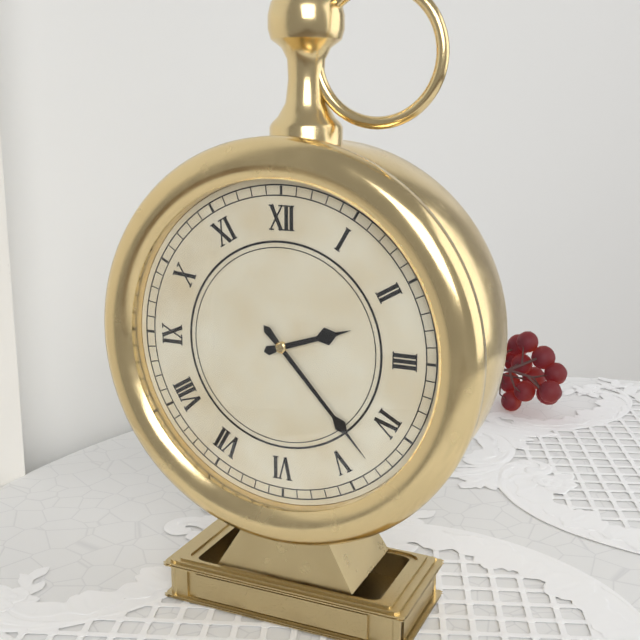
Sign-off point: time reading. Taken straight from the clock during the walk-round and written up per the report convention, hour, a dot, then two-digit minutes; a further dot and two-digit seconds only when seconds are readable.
2.23
